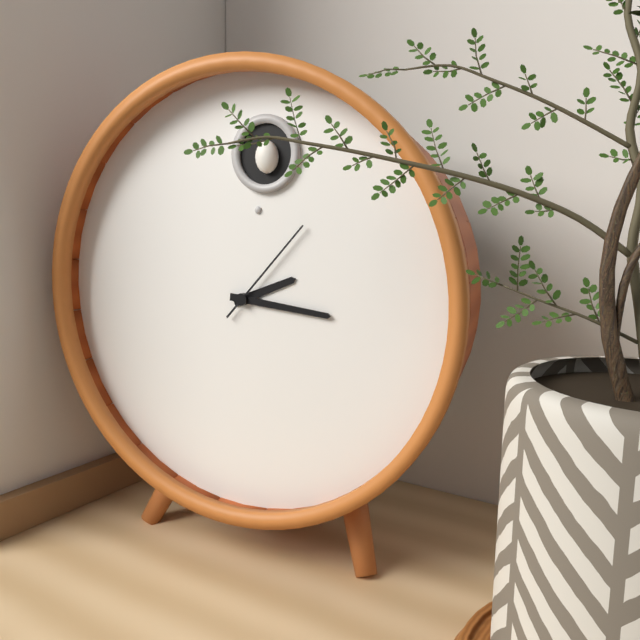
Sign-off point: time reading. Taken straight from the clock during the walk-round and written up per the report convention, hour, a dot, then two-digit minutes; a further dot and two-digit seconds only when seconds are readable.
2.16.07
